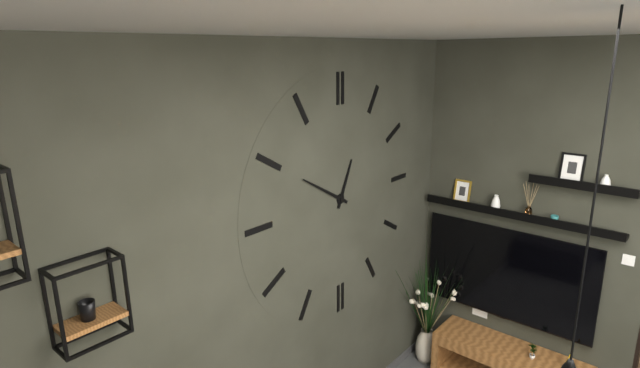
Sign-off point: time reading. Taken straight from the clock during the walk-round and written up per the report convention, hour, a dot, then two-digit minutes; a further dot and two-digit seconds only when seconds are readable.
12.50
